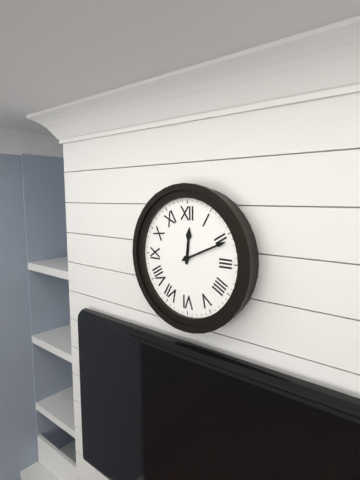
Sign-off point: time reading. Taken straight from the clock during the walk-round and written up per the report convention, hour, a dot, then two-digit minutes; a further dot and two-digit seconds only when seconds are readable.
12.11
